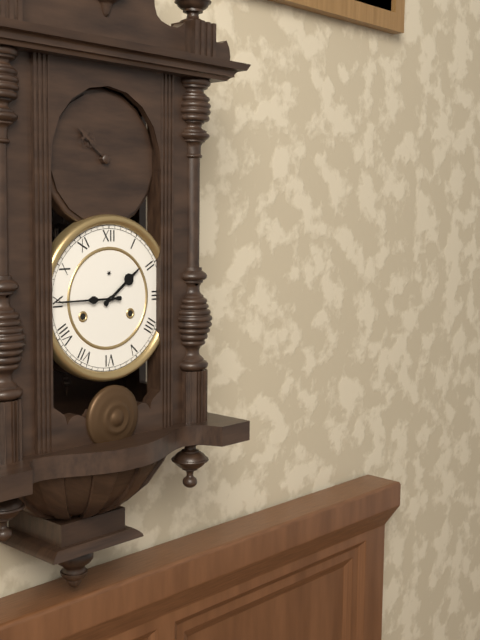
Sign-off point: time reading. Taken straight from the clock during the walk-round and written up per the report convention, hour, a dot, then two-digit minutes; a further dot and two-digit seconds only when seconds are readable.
1.45
